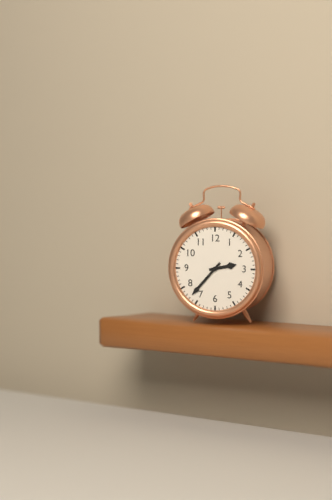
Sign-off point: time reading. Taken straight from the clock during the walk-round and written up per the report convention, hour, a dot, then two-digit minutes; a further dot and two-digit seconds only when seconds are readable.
2.37
